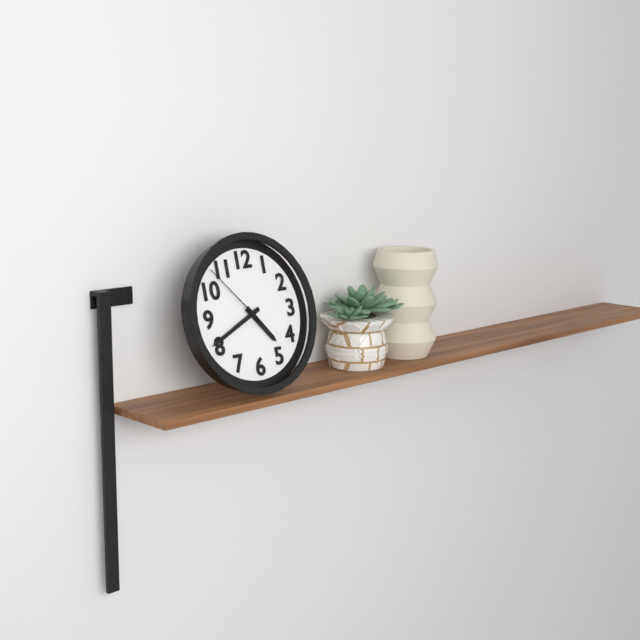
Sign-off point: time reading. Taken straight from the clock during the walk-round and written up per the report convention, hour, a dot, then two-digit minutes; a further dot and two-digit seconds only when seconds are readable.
4.41.53
